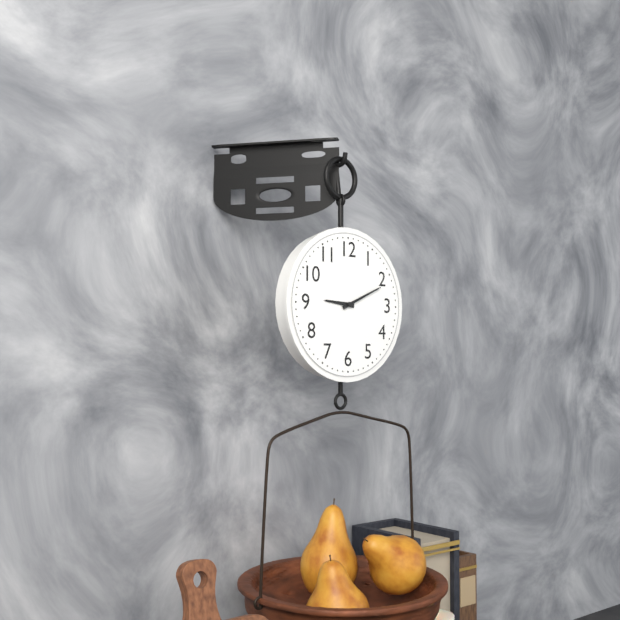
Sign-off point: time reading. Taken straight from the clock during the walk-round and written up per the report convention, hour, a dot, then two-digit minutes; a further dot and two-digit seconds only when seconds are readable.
9.11
